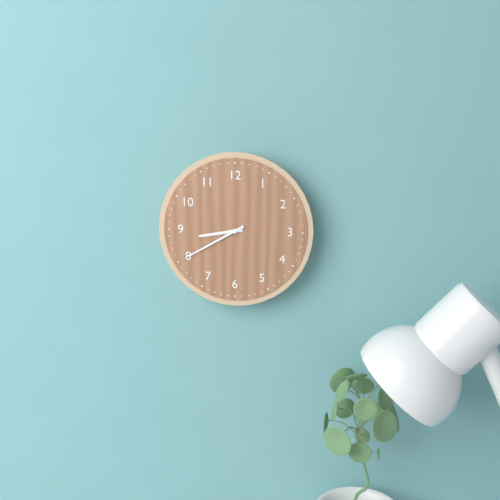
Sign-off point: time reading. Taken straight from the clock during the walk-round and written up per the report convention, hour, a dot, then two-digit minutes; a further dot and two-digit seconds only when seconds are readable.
8.40
